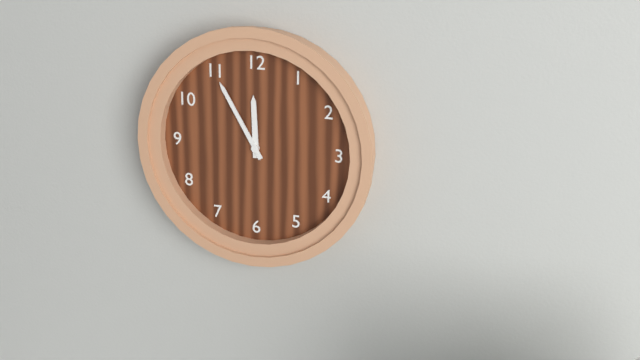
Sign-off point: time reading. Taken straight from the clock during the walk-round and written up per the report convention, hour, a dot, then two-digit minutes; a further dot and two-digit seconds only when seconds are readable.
11.55
